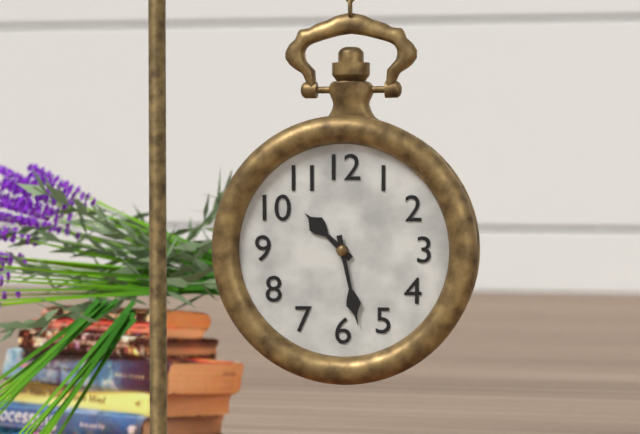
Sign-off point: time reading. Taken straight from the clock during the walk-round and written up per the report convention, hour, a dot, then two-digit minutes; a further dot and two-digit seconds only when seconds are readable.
10.28
